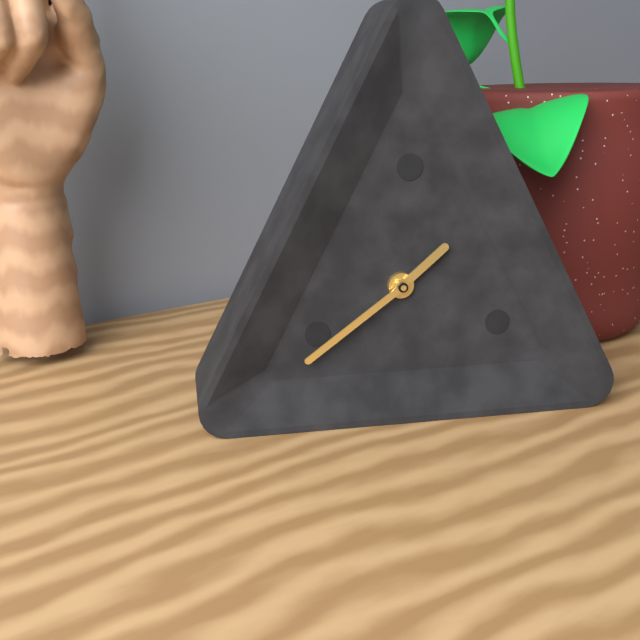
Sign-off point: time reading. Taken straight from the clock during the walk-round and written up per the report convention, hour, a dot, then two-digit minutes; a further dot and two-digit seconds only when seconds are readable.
1.39
